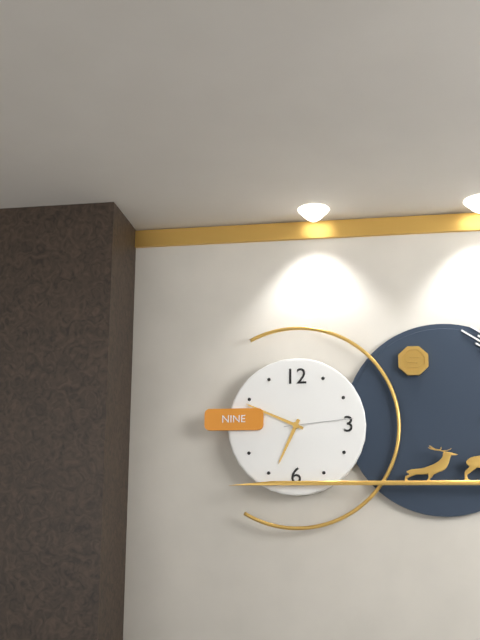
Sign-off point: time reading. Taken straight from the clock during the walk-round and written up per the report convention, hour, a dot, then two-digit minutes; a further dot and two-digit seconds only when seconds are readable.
6.49.14
